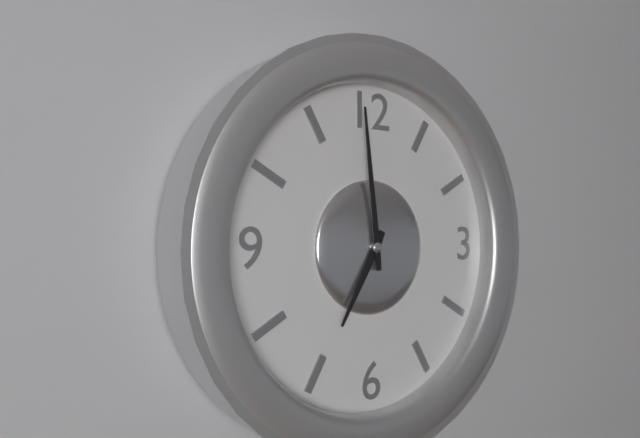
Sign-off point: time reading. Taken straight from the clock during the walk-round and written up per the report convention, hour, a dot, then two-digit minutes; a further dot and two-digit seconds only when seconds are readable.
6.59
